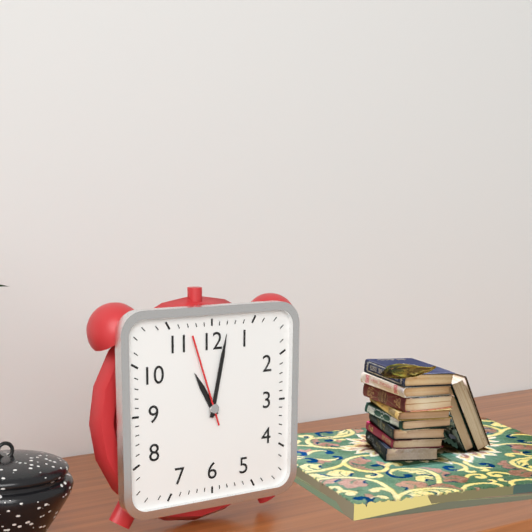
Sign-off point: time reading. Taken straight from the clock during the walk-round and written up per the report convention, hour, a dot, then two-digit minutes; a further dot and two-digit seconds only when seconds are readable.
11.02.57
